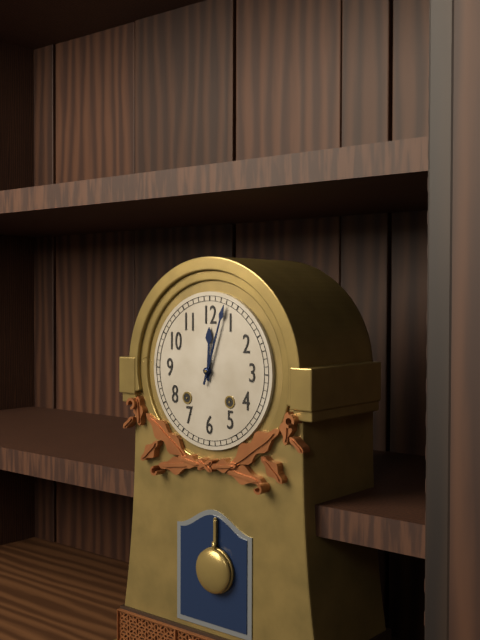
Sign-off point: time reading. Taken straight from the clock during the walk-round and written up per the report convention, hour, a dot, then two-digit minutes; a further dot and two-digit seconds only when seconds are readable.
12.03
